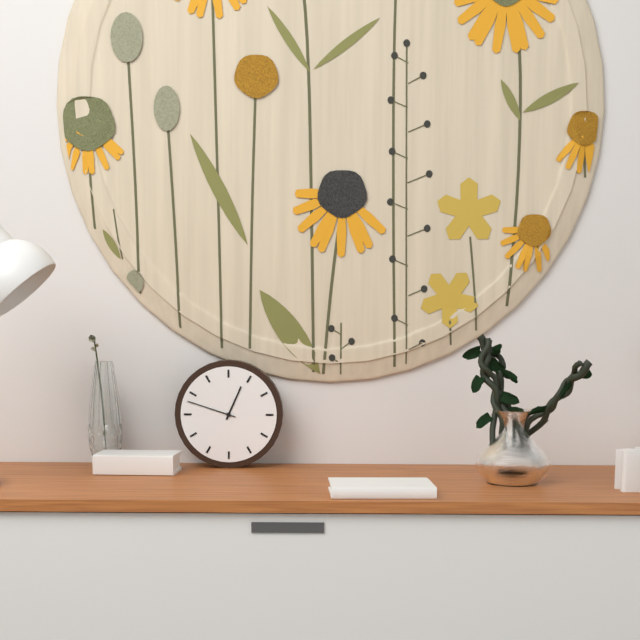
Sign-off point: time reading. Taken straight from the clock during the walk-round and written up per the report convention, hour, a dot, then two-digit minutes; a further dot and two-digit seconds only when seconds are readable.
12.48
